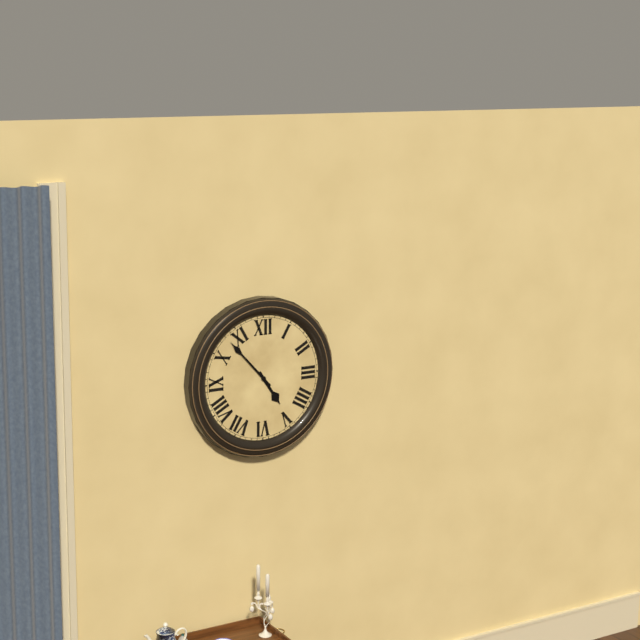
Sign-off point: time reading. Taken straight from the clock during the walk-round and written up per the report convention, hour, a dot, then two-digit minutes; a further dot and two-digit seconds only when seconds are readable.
4.53
